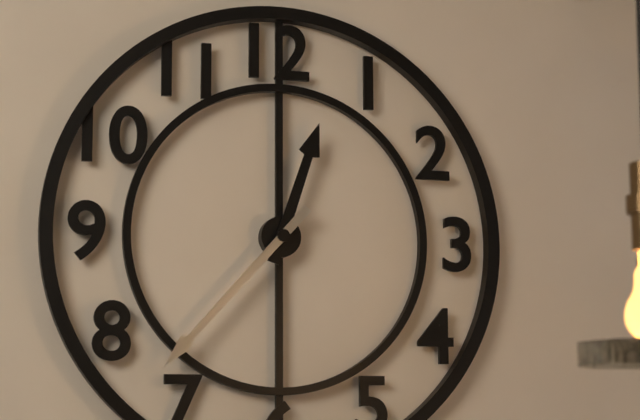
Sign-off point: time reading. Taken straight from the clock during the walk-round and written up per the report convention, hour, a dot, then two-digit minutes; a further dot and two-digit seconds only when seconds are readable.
12.37
